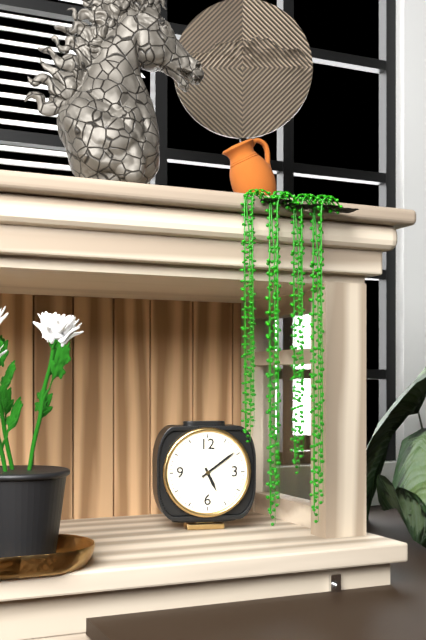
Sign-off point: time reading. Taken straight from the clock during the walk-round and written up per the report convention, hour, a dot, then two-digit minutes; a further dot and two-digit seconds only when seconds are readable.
5.09
